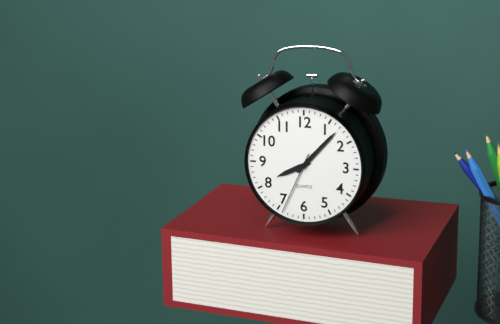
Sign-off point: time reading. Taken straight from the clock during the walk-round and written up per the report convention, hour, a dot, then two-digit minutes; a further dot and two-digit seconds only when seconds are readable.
8.07.34
